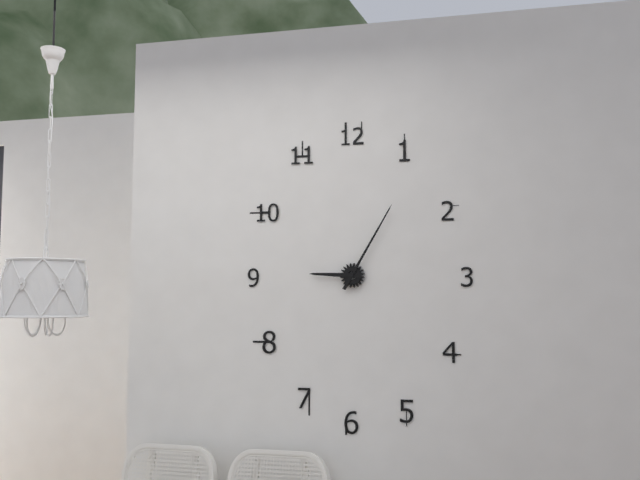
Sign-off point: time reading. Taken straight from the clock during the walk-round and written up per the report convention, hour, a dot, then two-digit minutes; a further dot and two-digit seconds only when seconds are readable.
9.05
